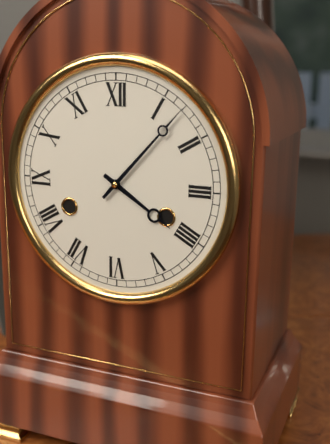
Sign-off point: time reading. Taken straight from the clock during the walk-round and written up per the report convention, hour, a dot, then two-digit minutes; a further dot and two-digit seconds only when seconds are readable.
4.07
